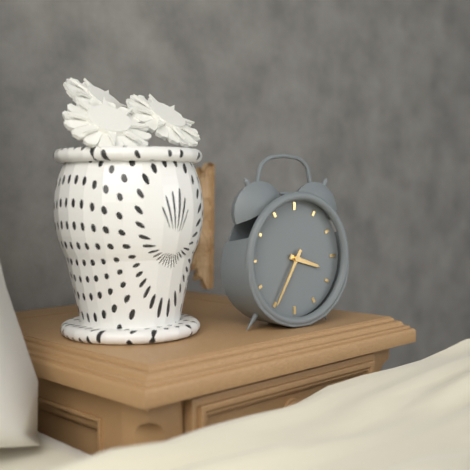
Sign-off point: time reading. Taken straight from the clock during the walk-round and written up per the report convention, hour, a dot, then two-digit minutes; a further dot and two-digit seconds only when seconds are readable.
3.35
